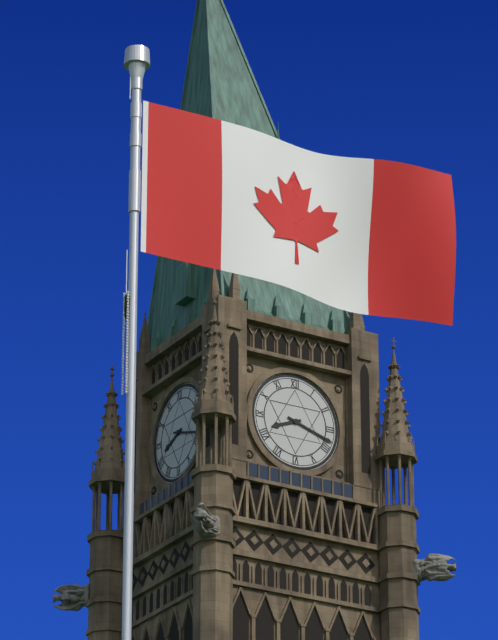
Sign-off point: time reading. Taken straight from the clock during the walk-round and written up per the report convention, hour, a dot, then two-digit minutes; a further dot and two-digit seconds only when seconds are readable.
8.18
